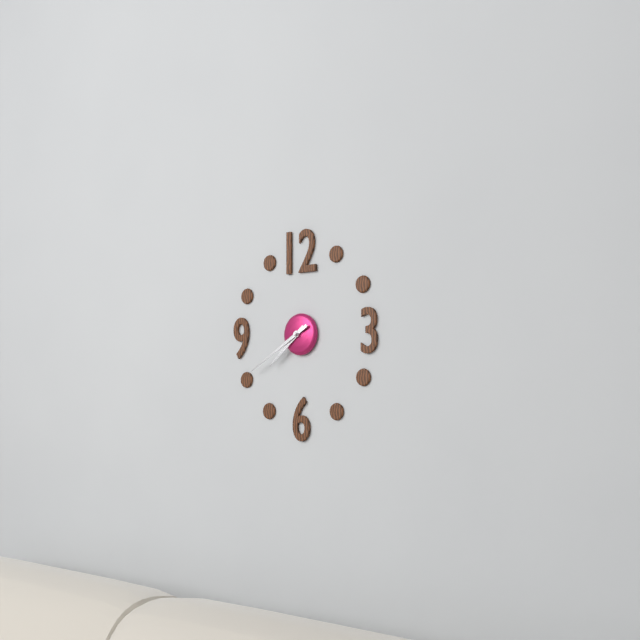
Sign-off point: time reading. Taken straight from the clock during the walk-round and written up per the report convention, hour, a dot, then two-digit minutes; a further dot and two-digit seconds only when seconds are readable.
7.40
